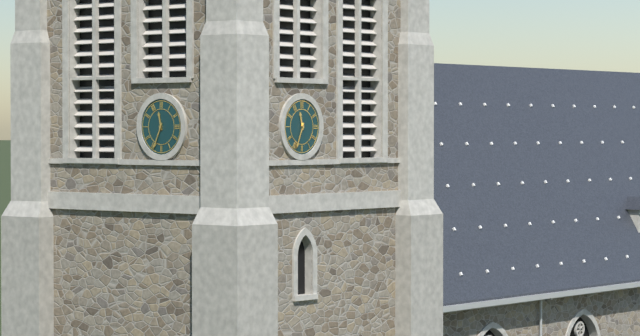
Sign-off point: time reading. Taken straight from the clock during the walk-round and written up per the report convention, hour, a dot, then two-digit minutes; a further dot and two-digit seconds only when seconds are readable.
11.34
